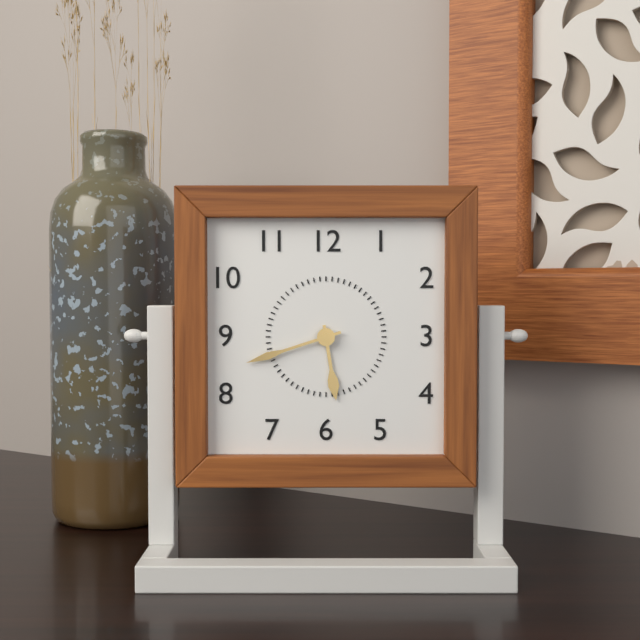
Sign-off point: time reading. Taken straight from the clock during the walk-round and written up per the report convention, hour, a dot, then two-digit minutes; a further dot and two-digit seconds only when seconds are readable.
5.42
